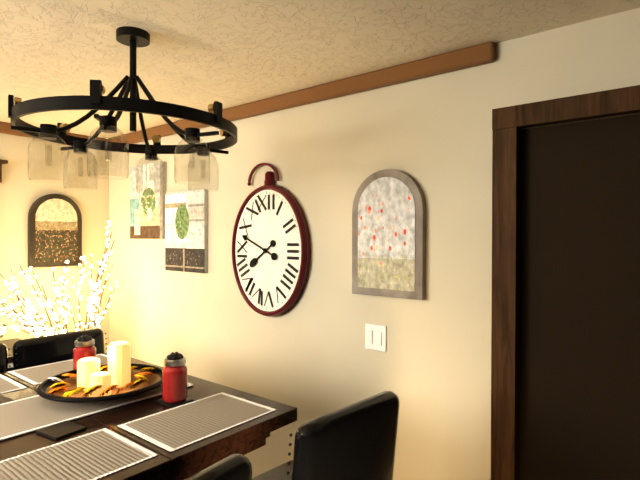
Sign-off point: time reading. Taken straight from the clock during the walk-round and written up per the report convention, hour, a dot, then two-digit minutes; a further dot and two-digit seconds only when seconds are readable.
7.49
